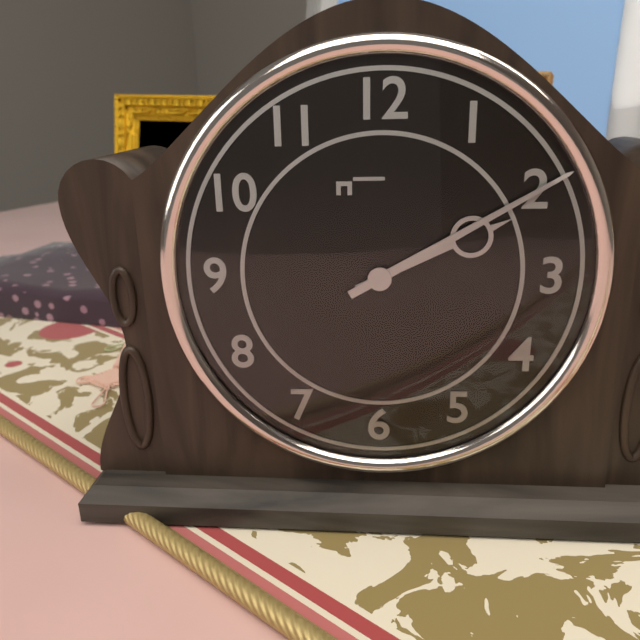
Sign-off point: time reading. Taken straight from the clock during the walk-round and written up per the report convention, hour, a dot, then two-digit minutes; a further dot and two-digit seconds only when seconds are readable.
2.10
